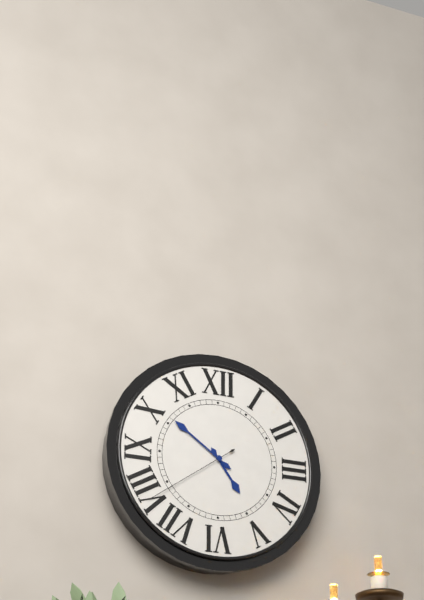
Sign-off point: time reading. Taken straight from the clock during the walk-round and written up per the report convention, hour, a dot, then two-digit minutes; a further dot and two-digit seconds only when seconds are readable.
4.51.39
